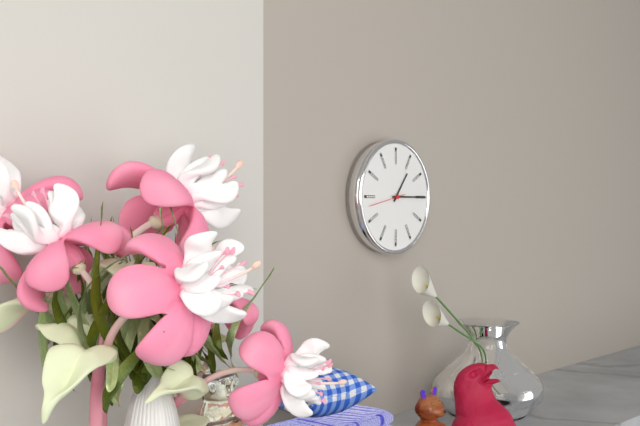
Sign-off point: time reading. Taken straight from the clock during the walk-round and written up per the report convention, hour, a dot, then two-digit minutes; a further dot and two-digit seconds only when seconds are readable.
1.15
